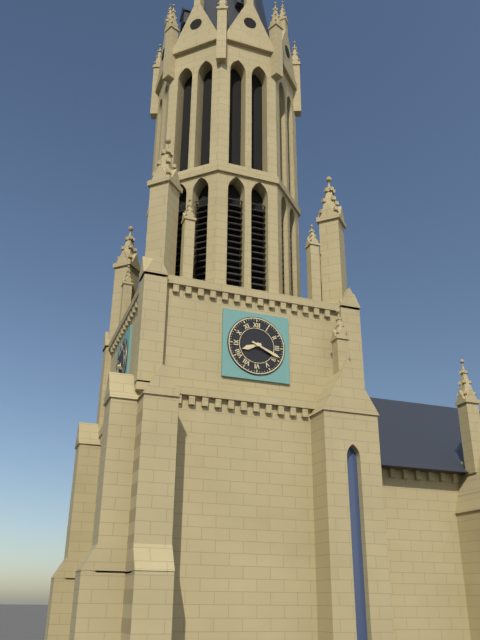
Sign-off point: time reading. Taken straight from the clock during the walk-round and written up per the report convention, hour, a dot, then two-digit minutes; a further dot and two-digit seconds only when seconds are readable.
8.19
